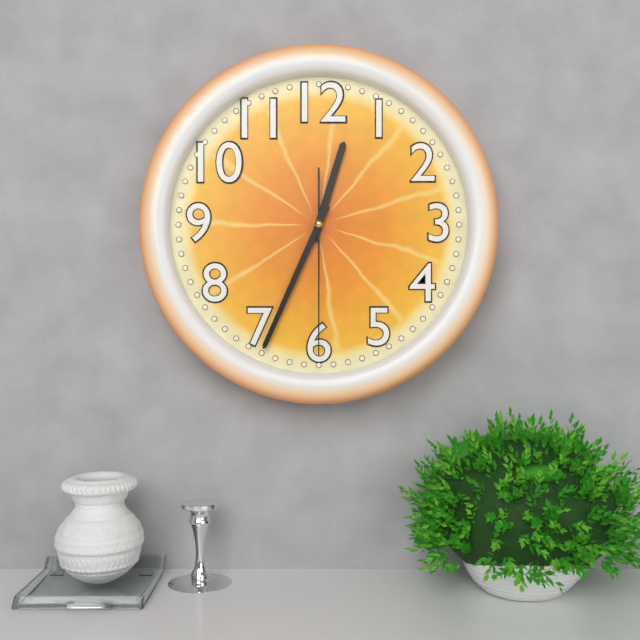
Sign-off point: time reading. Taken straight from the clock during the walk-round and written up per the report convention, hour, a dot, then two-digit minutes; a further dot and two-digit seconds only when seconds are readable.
12.34.30
